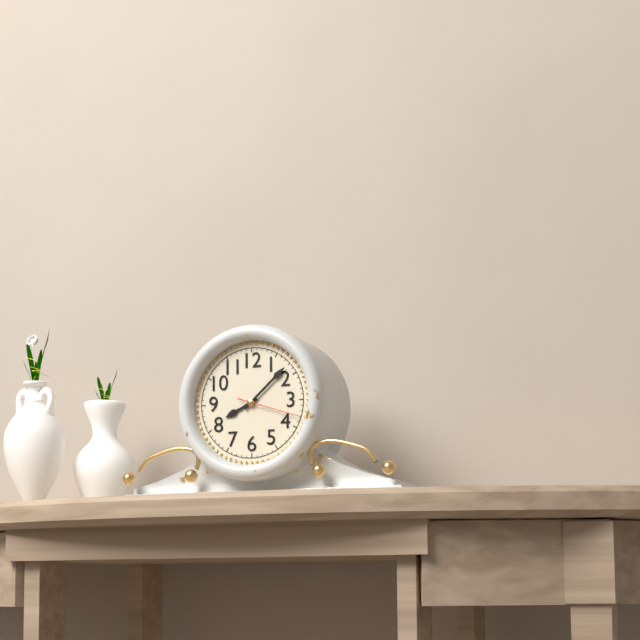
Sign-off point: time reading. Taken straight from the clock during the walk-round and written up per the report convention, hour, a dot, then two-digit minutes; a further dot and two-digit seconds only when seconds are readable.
8.08.18
